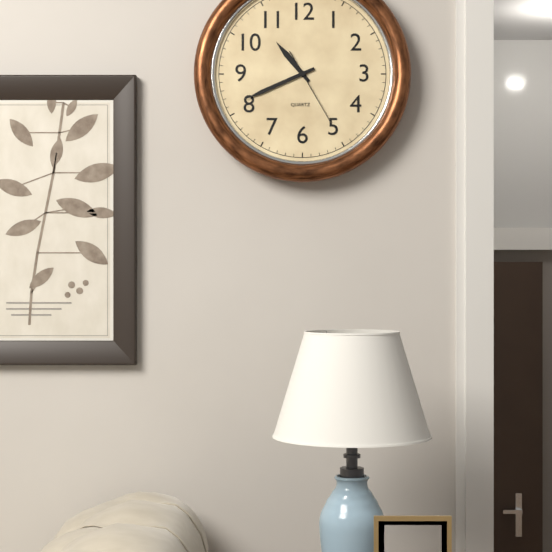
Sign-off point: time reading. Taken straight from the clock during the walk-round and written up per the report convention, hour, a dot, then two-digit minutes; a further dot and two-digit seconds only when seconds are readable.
10.41.25
